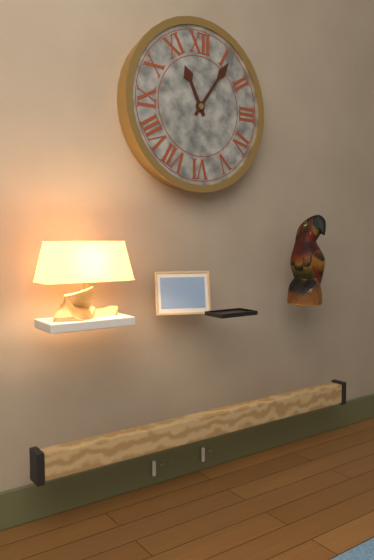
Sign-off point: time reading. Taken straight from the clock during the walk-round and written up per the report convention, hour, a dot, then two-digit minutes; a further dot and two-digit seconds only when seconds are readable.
11.06
